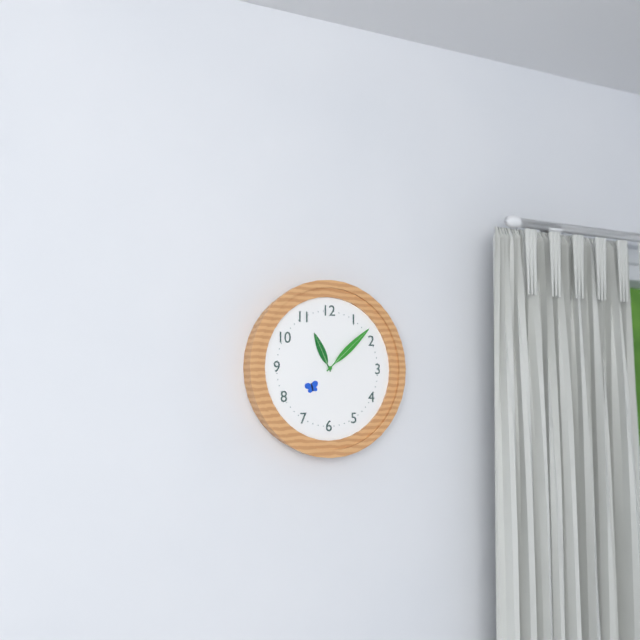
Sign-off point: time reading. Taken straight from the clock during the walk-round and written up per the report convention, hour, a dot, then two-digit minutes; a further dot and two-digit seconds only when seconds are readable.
11.08
